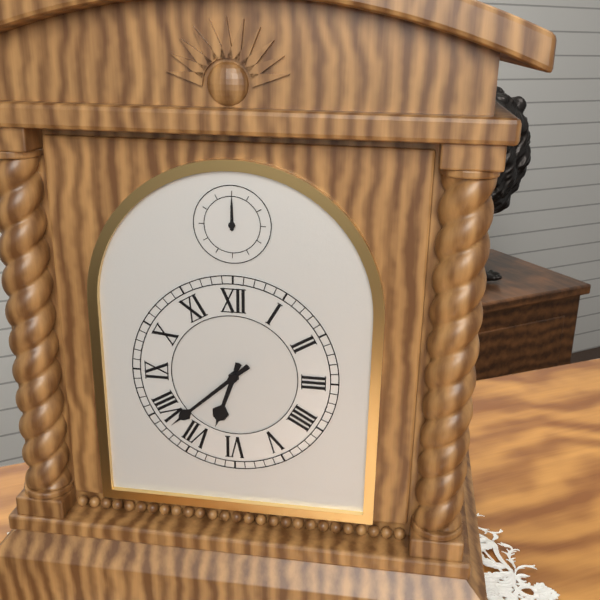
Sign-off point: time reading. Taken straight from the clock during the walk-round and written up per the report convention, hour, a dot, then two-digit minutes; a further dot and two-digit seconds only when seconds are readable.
6.38
